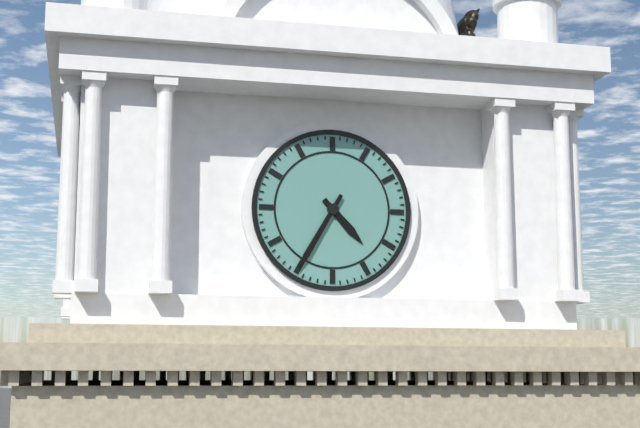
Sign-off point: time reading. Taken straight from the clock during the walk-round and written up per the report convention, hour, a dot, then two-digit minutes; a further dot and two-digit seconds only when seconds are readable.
4.35
